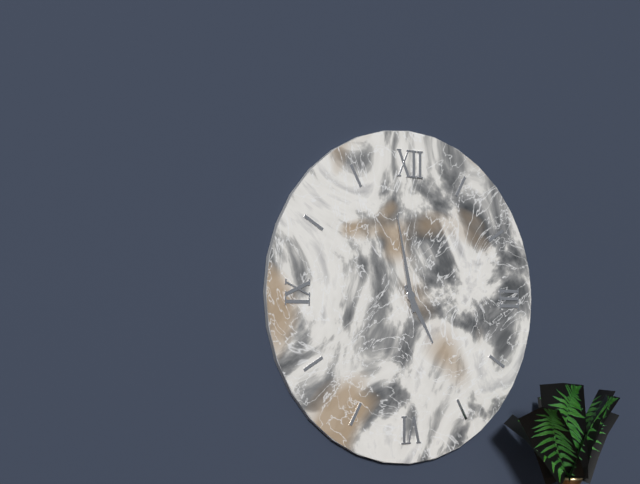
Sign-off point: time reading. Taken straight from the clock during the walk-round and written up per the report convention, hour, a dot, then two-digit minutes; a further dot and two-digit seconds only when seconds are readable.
4.58
